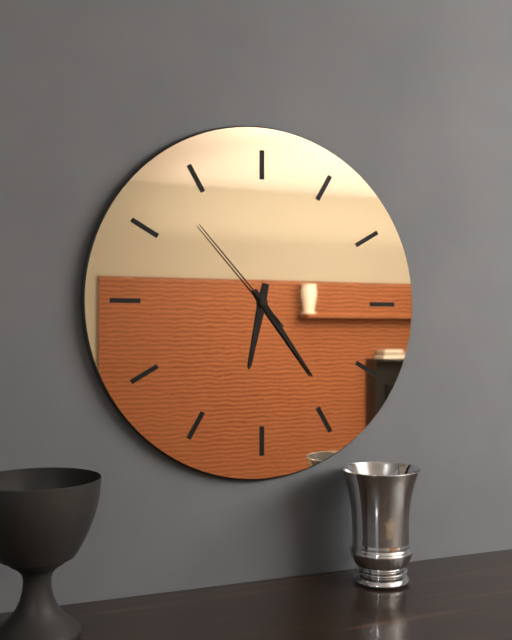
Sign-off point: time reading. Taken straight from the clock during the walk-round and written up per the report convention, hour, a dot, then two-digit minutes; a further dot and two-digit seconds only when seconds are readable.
6.24.53
